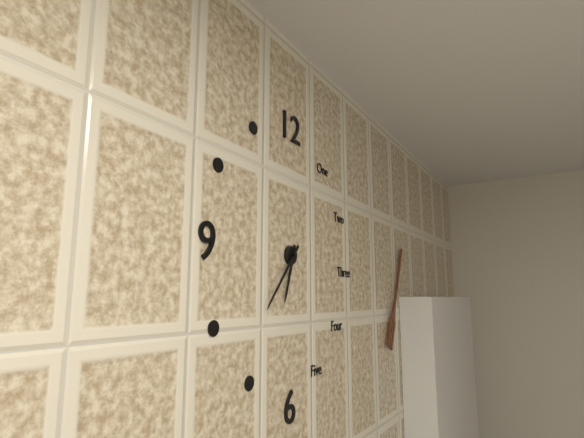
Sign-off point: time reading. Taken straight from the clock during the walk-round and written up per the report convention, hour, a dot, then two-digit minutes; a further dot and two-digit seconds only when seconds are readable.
6.37
